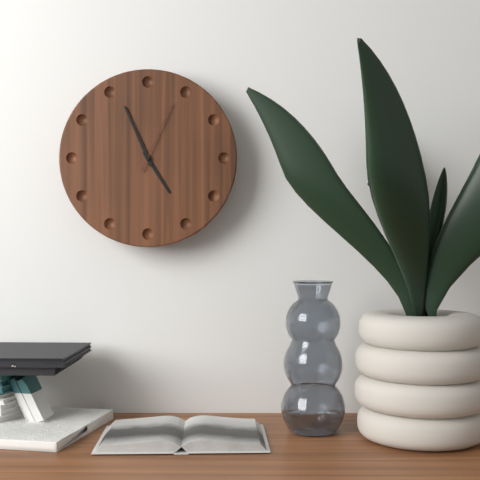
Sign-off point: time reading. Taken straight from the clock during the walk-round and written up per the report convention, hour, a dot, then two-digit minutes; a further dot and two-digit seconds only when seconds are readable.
4.56.04
